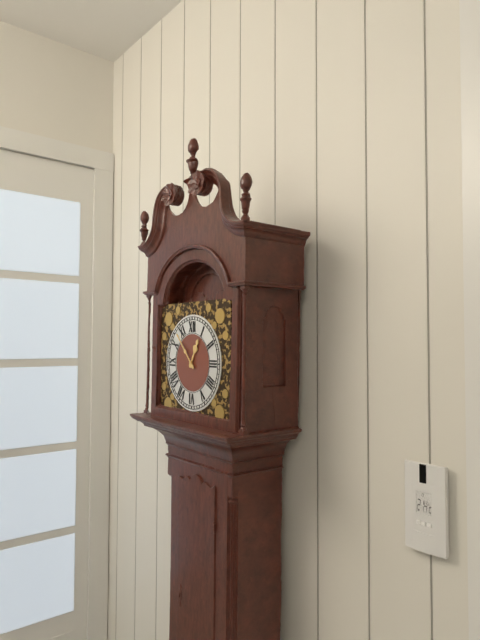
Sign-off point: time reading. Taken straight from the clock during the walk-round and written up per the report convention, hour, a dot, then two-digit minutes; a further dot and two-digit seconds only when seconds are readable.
12.53
